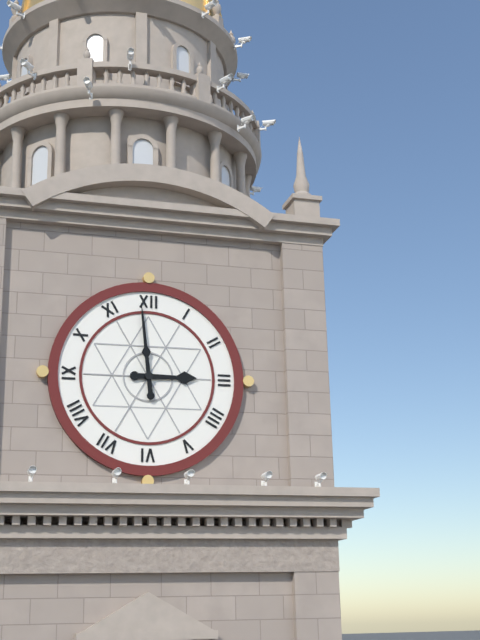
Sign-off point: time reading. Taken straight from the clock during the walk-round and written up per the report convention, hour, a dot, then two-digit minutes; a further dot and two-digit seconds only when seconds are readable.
2.59
